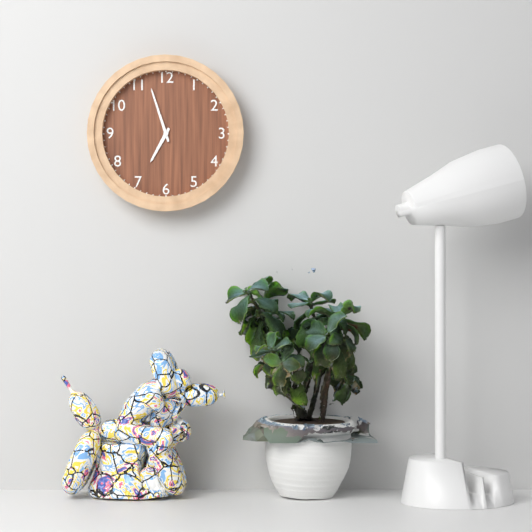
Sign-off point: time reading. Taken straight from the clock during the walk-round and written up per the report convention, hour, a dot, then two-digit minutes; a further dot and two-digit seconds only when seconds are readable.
6.57
